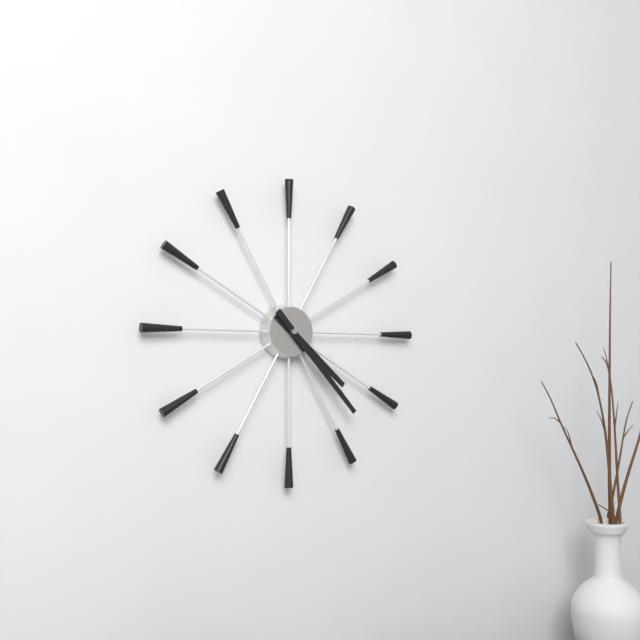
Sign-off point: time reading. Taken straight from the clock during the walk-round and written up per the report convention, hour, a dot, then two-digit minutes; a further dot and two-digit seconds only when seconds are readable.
4.23
